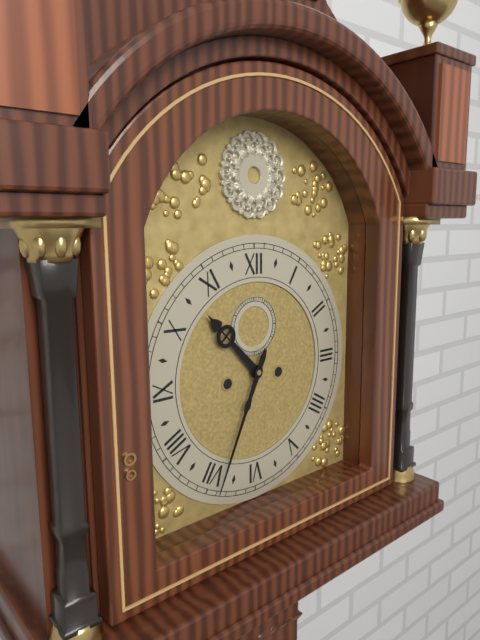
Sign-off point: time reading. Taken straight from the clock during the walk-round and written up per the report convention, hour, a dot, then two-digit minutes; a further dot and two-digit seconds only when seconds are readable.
10.34
